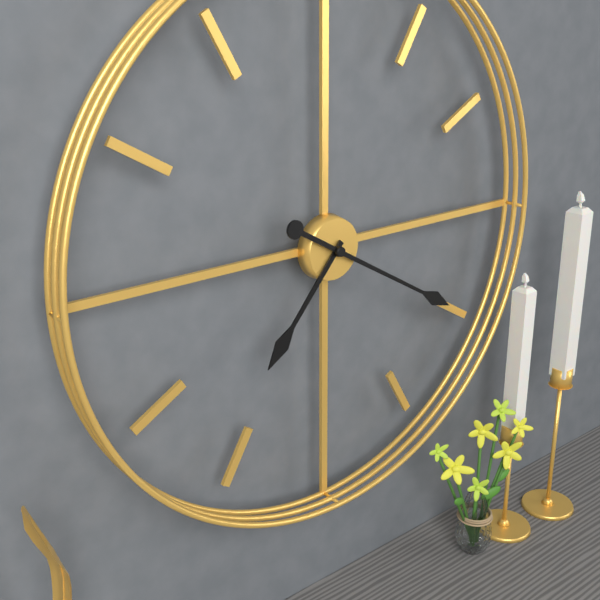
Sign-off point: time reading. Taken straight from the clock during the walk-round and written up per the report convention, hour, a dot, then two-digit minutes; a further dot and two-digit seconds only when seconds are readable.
7.20
